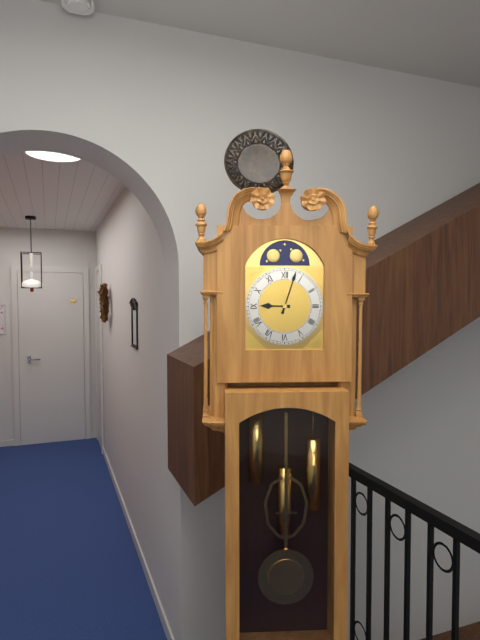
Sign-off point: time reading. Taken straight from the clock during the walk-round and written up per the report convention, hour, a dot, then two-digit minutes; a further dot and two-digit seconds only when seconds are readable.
9.03
